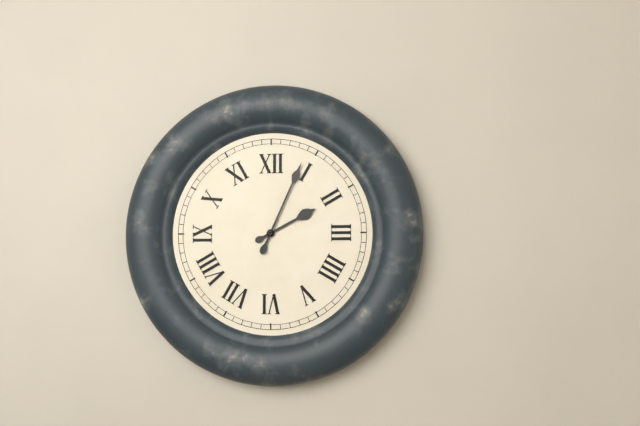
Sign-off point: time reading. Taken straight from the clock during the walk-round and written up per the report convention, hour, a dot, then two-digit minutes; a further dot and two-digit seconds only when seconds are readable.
2.04
